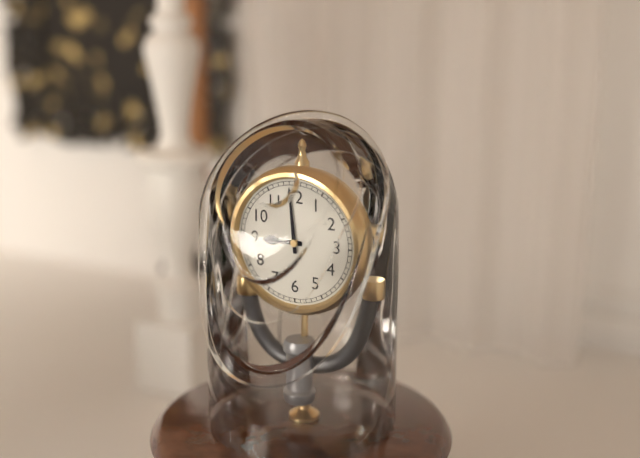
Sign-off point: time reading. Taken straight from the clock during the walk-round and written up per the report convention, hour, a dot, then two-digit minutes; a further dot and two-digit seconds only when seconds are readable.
8.59
